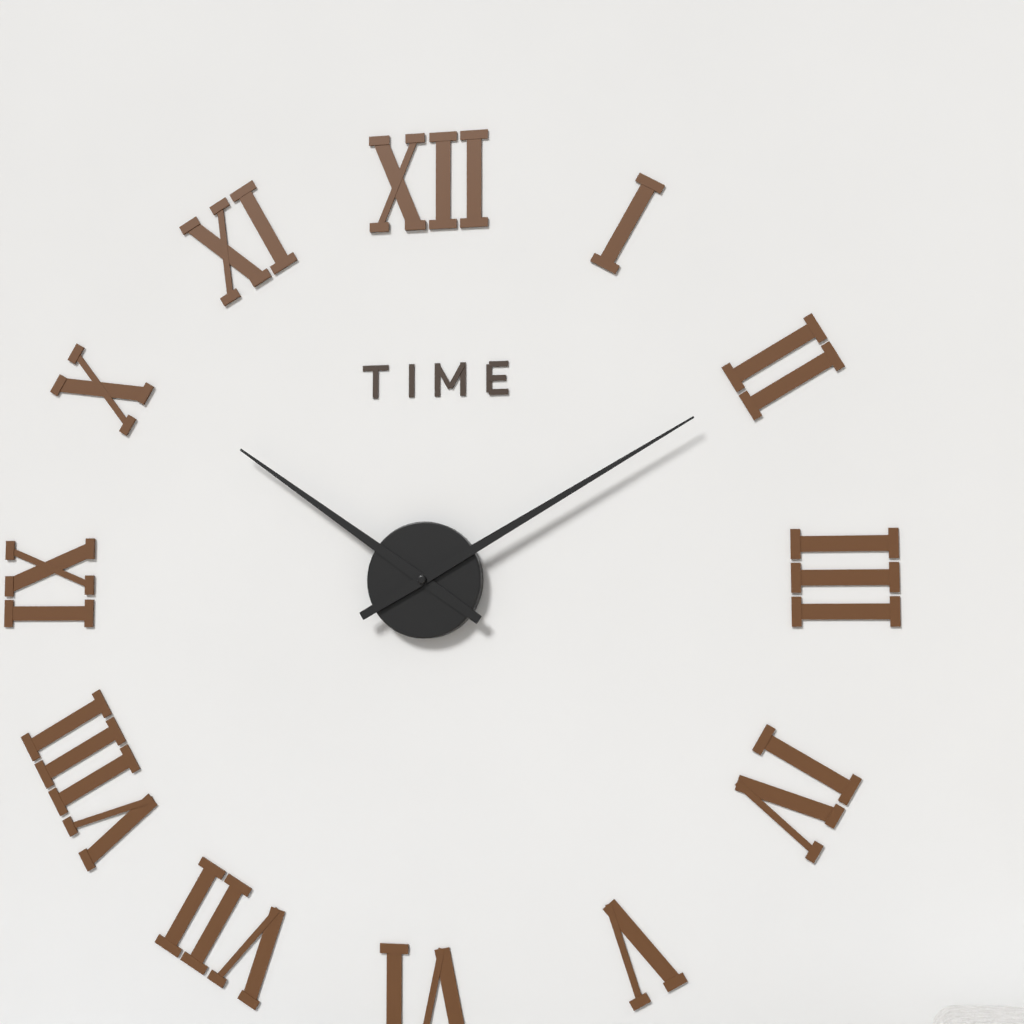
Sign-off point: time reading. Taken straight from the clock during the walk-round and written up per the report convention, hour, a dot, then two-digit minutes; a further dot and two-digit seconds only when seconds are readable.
10.10
